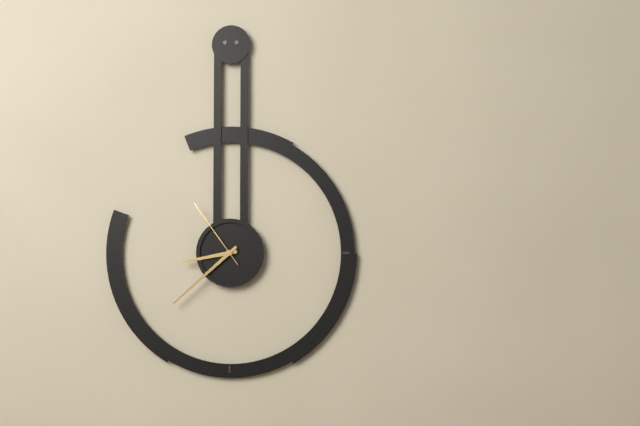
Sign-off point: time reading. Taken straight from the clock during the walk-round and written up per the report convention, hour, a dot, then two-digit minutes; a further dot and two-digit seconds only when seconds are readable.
8.38.54
